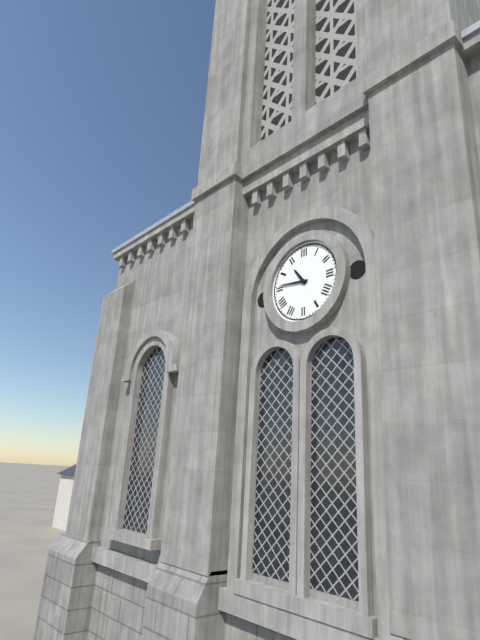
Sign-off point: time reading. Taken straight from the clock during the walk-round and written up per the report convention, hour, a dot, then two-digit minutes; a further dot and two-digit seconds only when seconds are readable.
10.46
